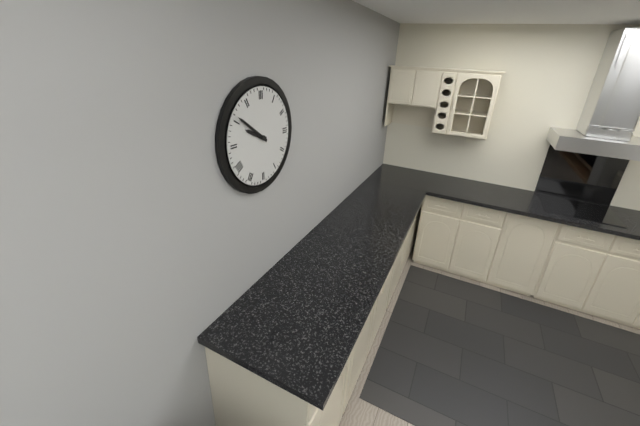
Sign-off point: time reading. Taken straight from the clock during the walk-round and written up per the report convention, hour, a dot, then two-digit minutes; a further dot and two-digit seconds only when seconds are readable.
9.51
